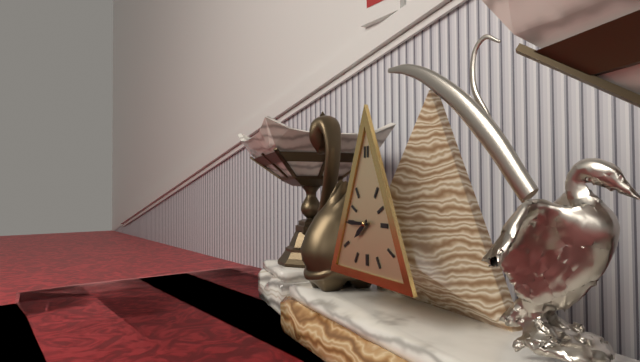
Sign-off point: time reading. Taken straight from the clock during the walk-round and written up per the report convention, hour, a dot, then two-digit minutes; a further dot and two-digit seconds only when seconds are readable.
7.45
